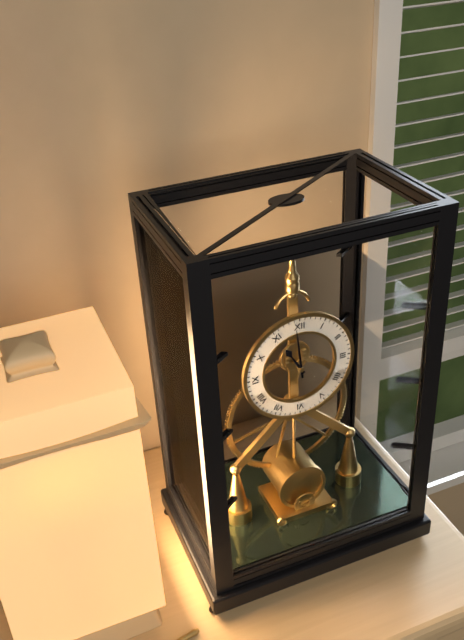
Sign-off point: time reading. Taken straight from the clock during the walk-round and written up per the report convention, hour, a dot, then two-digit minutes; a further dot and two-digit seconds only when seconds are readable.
10.59
